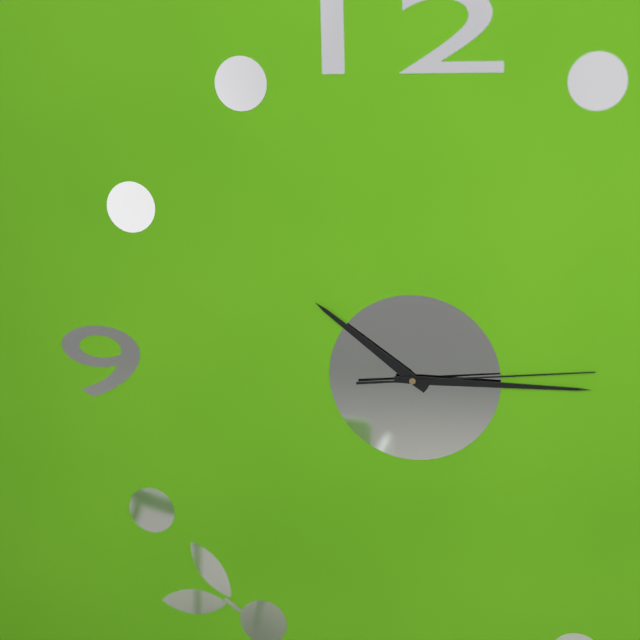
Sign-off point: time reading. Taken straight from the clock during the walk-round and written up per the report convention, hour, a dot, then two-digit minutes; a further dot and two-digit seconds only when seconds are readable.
10.15.14
